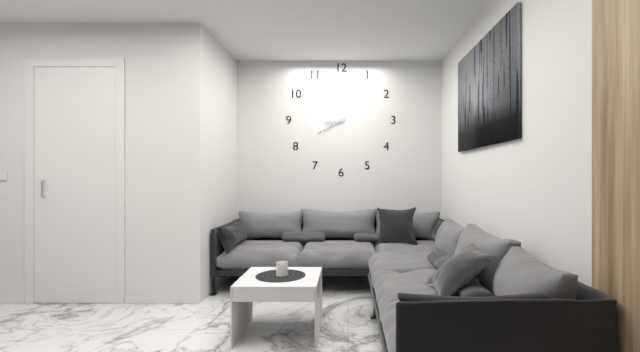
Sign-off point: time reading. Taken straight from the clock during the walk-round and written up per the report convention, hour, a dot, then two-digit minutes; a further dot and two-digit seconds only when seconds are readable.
8.40
